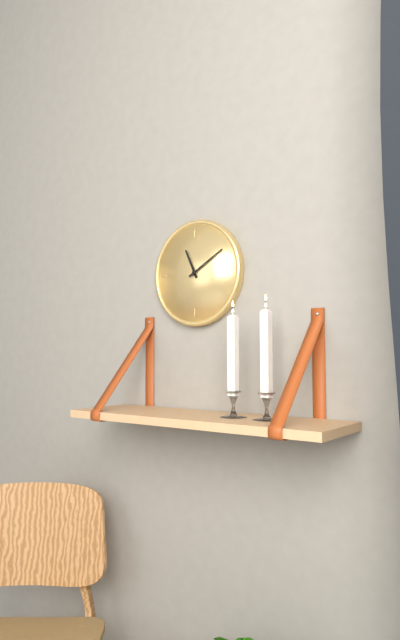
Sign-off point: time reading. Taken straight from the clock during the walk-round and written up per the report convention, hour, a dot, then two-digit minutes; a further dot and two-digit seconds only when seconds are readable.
11.10
